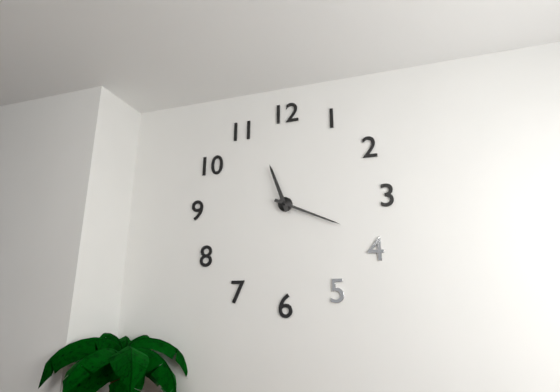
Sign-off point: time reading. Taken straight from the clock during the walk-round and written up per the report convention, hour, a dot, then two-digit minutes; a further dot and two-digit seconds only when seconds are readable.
11.19
